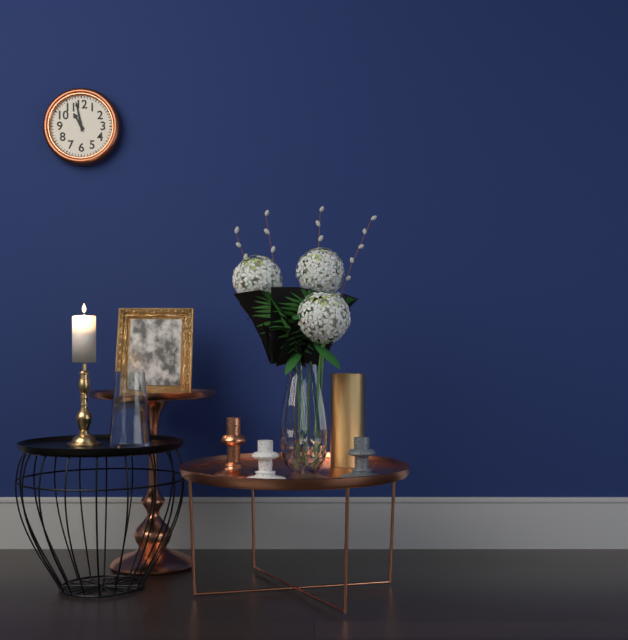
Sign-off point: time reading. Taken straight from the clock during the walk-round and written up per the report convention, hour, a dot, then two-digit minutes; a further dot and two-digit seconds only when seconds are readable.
10.58
